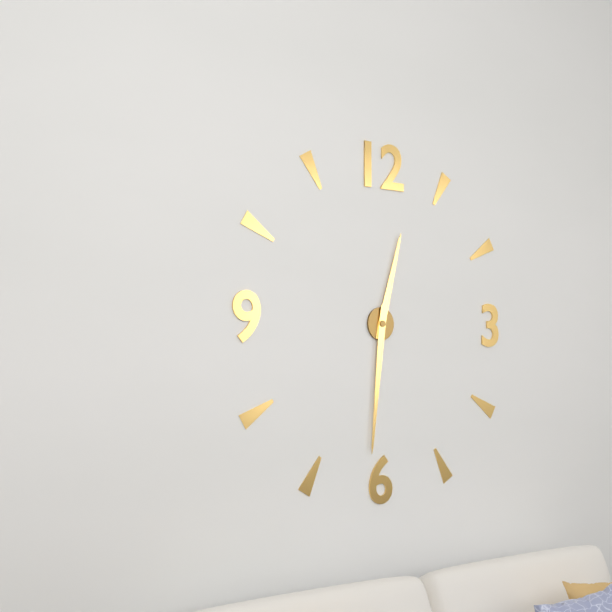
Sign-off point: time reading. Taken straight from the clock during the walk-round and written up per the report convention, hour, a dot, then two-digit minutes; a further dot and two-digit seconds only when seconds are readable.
12.31
